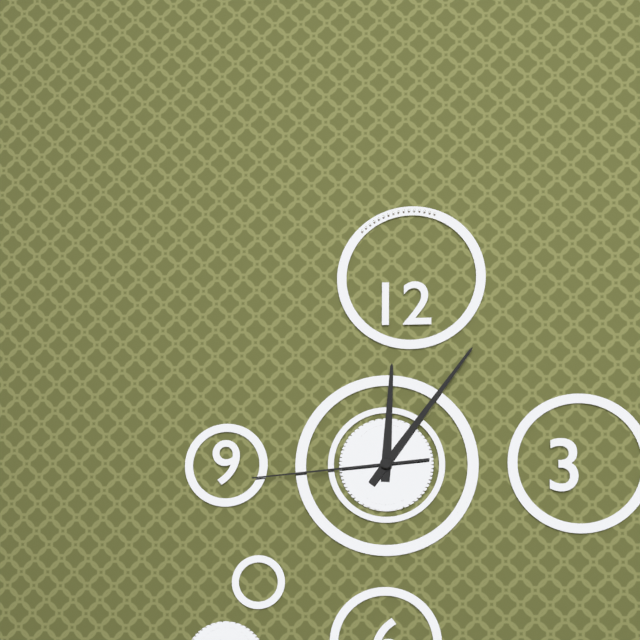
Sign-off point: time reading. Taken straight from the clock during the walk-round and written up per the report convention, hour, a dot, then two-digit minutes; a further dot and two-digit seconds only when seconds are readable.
12.06.44
